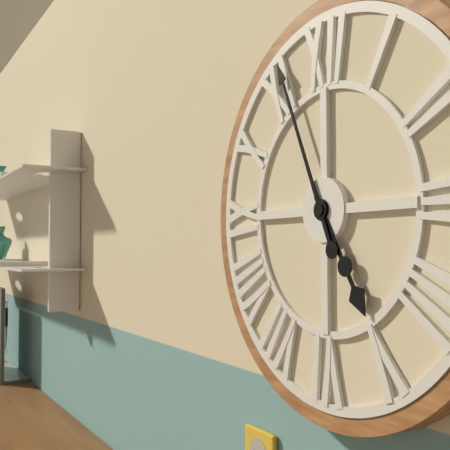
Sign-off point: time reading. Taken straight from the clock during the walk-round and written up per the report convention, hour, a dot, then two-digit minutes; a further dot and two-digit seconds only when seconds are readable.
4.56
